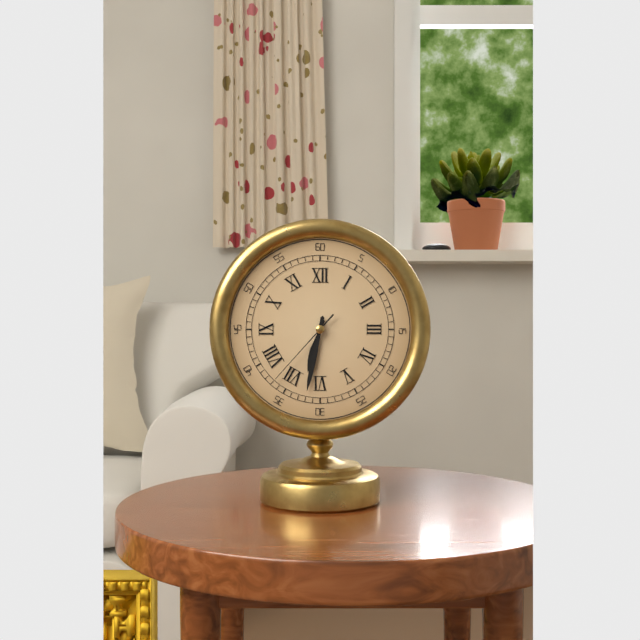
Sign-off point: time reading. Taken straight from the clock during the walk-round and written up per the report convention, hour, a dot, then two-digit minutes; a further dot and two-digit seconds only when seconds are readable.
6.32.37
